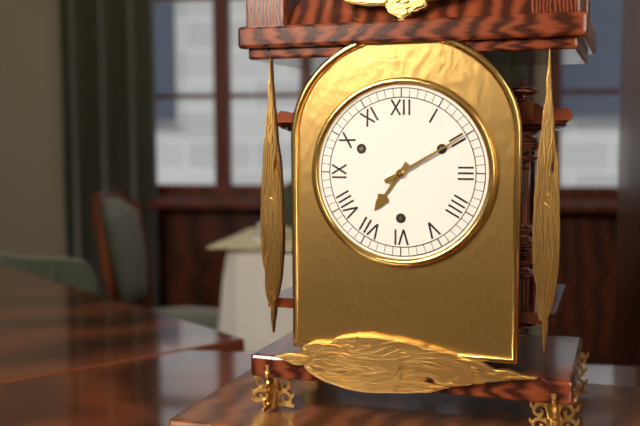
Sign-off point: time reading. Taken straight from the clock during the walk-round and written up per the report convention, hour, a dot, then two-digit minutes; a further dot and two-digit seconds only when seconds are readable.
7.10
